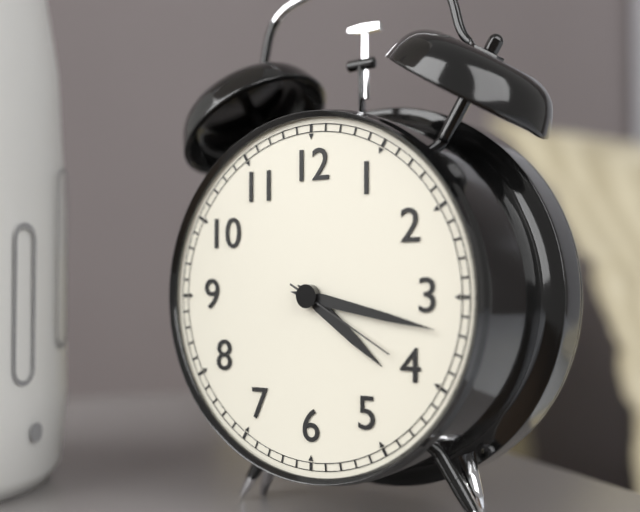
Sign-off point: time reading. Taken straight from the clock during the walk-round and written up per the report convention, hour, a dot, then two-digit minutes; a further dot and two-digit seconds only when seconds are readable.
4.17.20
